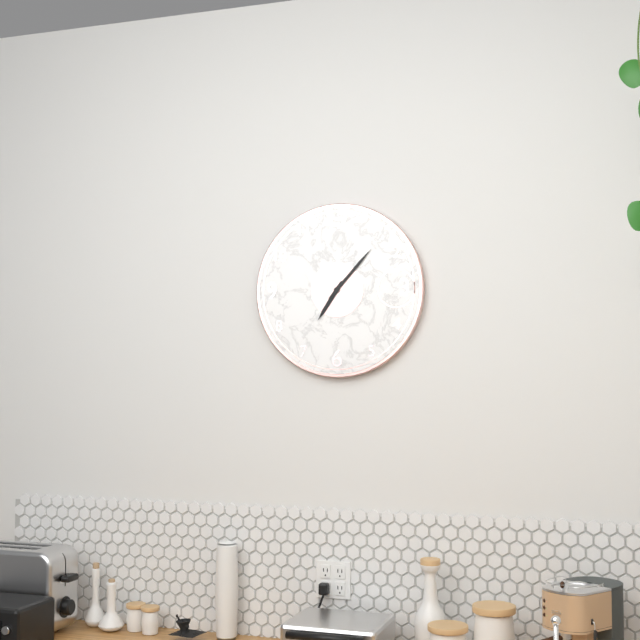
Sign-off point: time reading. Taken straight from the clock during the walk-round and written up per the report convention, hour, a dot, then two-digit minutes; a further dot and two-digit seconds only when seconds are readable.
7.07
